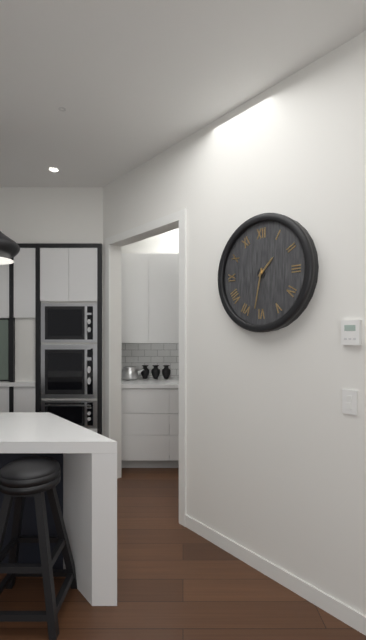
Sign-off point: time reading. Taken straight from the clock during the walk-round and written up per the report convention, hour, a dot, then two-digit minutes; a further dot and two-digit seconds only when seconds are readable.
1.32
